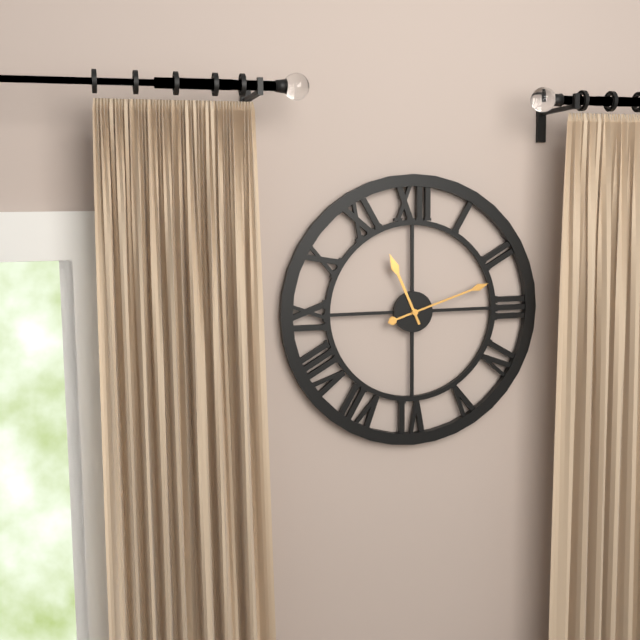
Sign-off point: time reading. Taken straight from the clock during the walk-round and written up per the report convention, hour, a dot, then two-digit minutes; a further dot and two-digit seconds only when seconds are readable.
11.12
